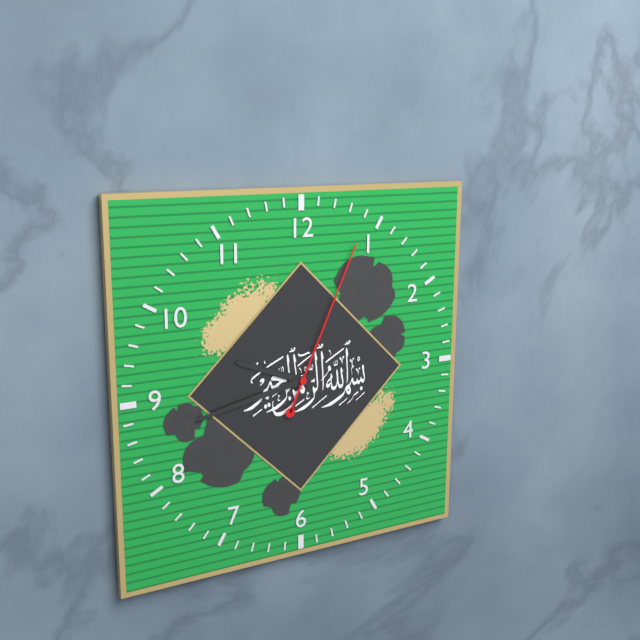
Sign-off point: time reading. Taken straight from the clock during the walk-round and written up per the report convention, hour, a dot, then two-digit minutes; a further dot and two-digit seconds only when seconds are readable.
9.43.04
